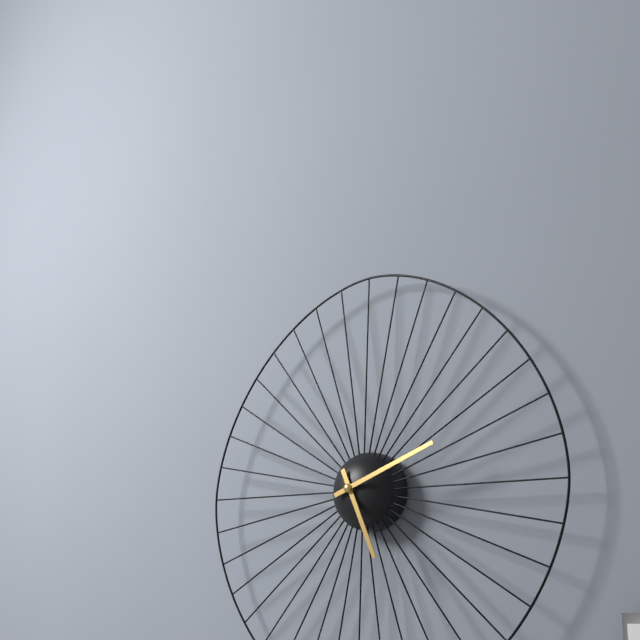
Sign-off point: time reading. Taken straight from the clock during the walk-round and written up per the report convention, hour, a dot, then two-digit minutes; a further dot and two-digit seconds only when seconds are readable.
5.12
